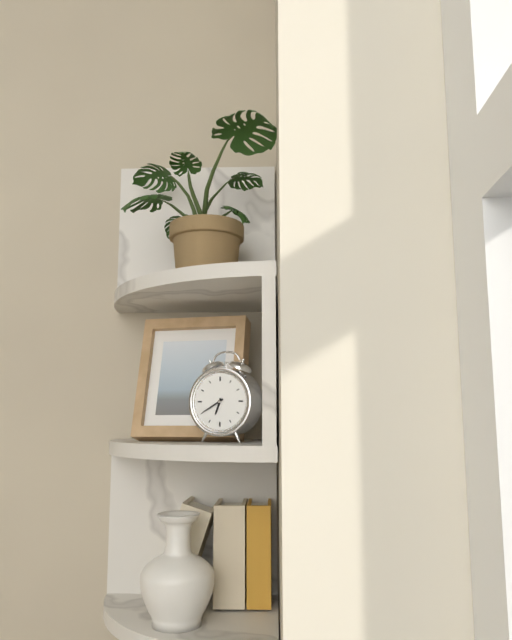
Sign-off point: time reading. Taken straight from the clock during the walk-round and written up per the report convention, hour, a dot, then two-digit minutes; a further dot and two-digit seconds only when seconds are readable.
6.40
